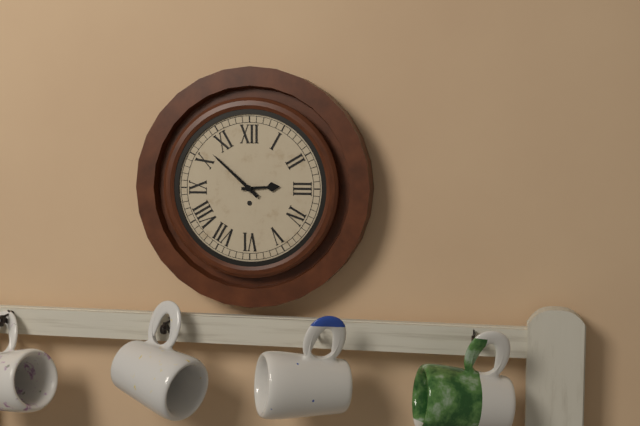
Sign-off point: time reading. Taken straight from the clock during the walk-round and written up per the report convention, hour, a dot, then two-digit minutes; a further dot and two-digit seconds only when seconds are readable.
2.52
